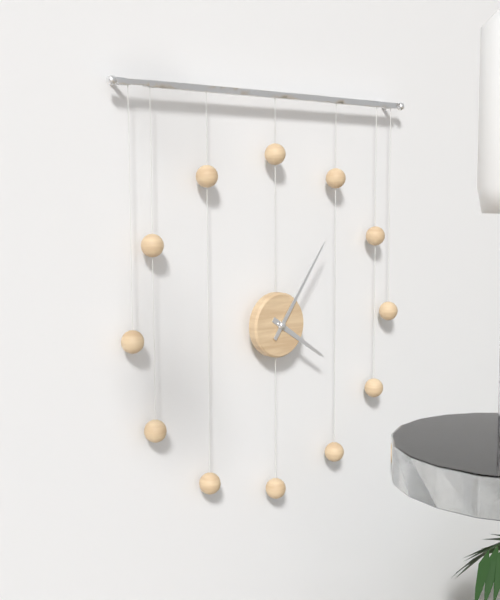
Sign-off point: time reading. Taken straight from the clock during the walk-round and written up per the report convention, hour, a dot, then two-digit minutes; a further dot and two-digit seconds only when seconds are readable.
4.06
